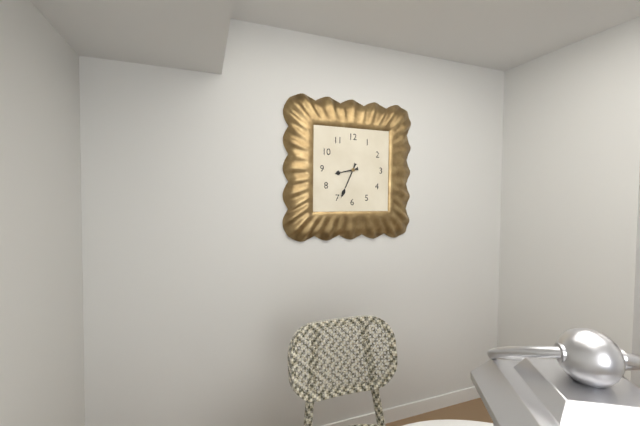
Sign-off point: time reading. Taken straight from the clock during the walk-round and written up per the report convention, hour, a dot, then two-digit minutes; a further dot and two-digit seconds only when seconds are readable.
8.34
